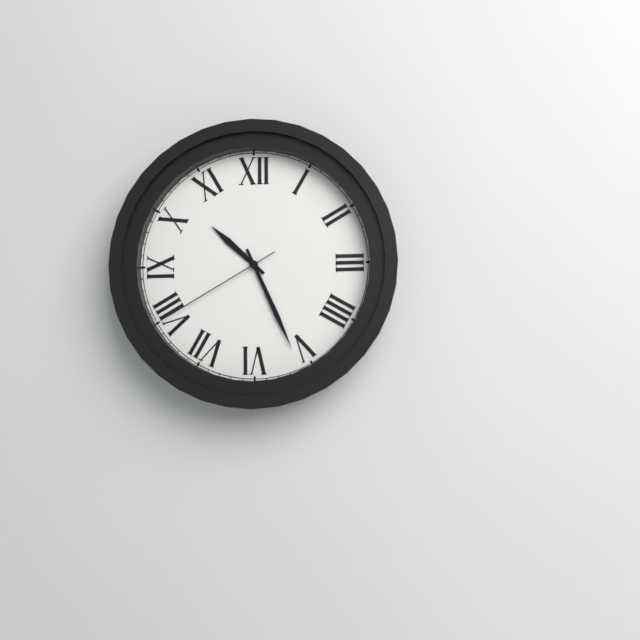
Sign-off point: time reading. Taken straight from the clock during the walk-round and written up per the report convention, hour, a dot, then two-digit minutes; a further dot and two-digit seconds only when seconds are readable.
10.26.40
